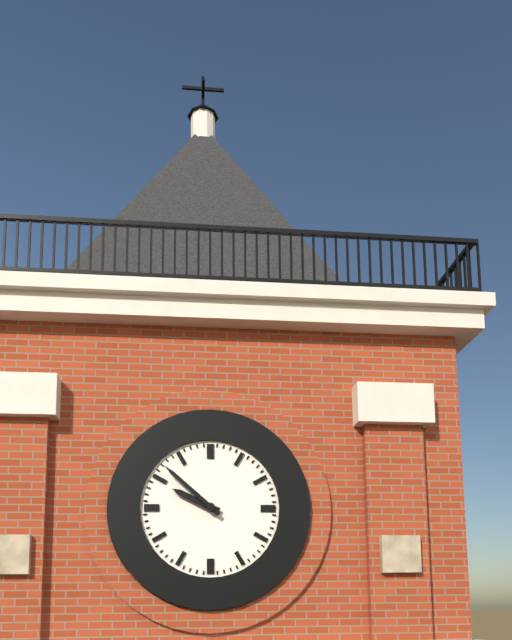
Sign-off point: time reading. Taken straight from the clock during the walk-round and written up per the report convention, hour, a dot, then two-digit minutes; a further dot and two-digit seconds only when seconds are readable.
9.52
